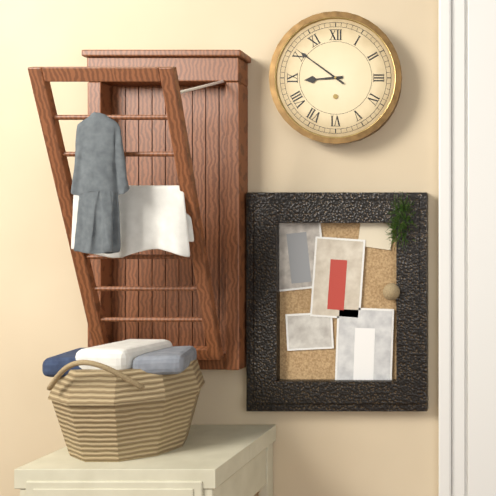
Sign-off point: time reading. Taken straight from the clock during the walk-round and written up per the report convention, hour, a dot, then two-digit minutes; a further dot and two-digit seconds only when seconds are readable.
8.51
